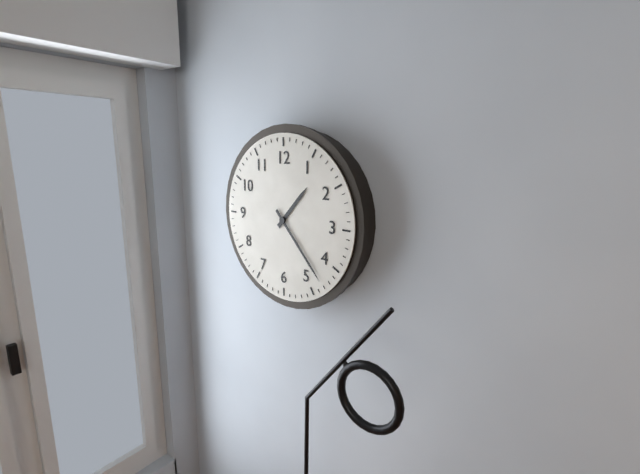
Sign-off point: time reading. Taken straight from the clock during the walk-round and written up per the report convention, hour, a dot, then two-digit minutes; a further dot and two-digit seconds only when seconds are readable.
1.23
